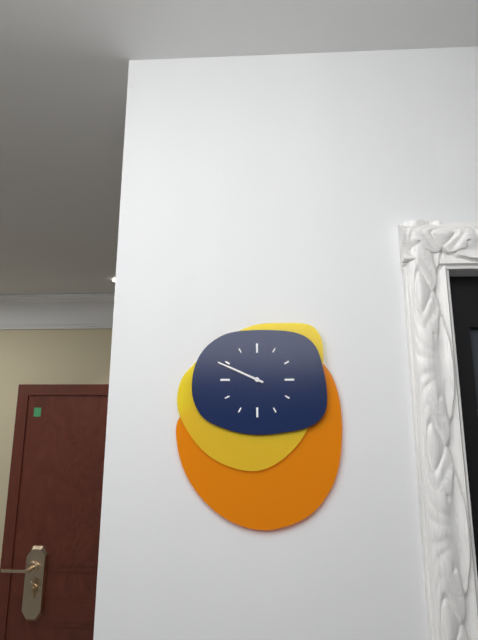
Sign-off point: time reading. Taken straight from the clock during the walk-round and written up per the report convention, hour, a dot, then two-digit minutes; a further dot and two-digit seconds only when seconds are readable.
9.49
